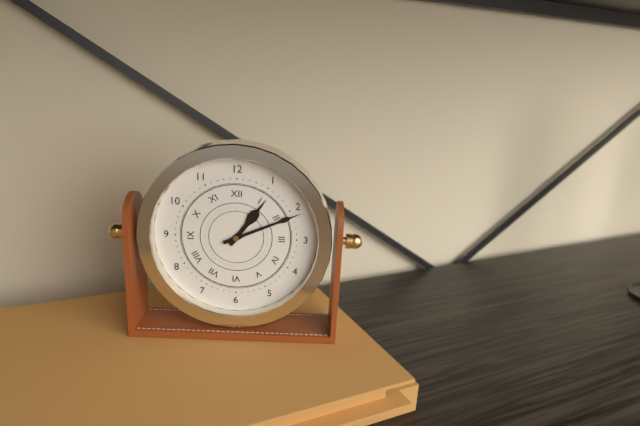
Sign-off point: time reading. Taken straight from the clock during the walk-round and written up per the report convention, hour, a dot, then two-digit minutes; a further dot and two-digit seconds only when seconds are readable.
1.11
